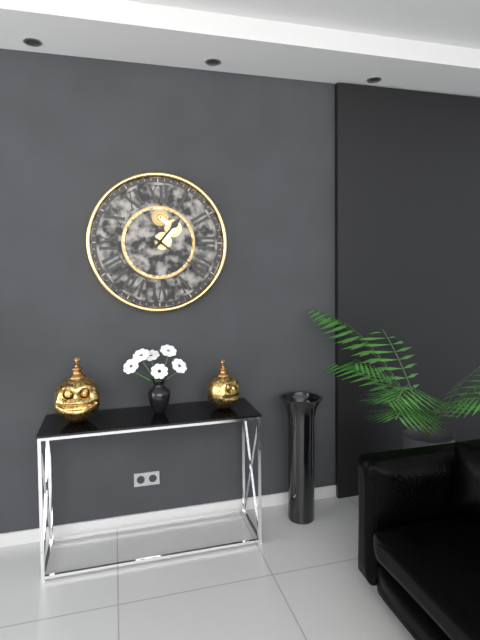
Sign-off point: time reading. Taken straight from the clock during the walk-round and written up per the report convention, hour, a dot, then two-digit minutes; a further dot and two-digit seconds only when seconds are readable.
1.21
